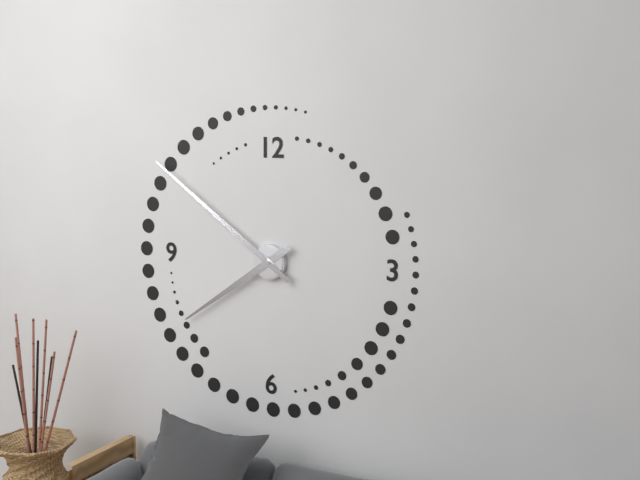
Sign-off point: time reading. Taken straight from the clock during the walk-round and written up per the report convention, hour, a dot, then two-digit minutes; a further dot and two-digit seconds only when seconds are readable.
7.51
